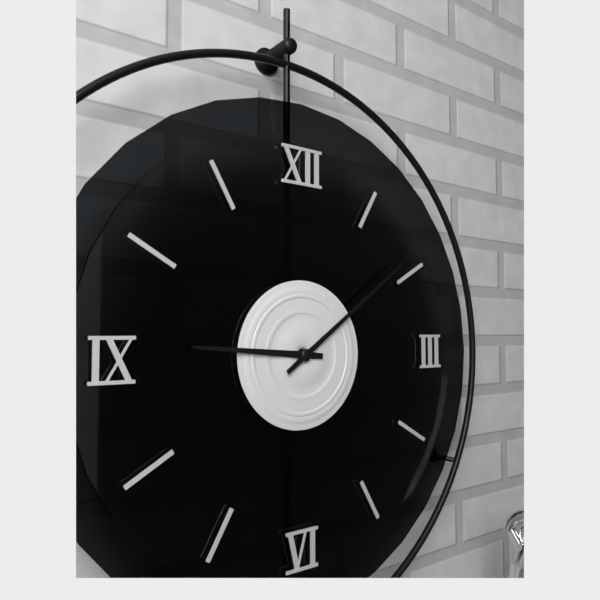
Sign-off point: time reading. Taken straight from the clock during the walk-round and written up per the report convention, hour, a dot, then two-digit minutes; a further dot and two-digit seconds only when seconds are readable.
9.09
